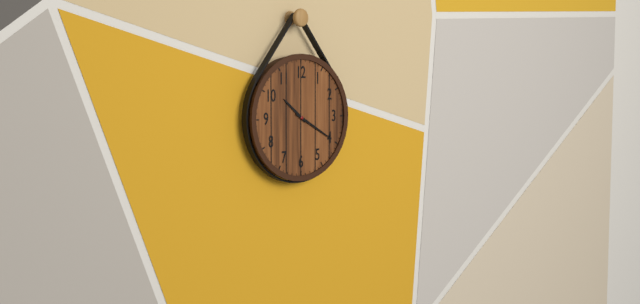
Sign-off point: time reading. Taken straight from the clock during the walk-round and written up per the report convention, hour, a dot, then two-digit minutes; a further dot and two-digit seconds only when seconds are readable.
10.20
